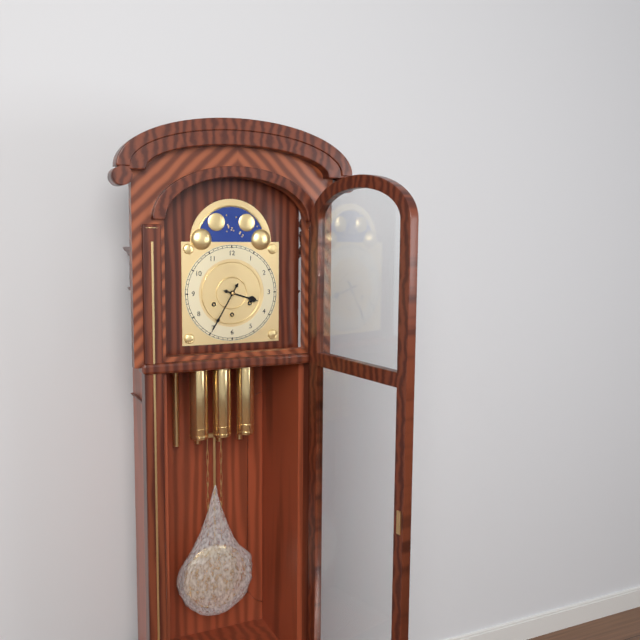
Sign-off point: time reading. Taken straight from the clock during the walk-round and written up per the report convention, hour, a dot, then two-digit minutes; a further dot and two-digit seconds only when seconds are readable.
3.35
